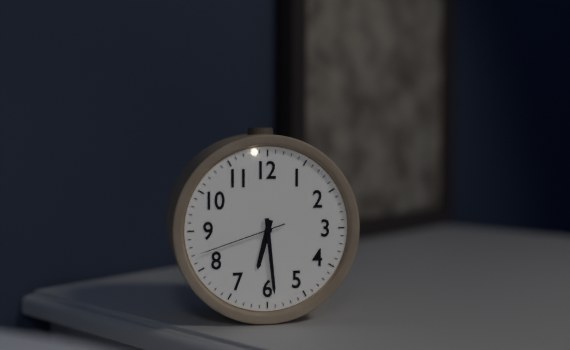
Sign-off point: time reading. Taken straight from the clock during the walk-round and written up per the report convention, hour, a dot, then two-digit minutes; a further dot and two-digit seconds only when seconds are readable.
6.29.42
